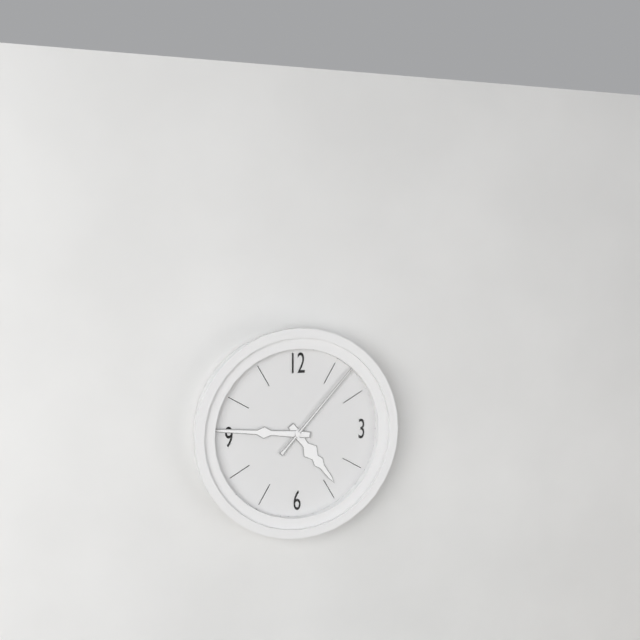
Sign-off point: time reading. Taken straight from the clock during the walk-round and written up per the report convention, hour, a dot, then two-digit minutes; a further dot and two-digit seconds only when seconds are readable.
4.46.07
